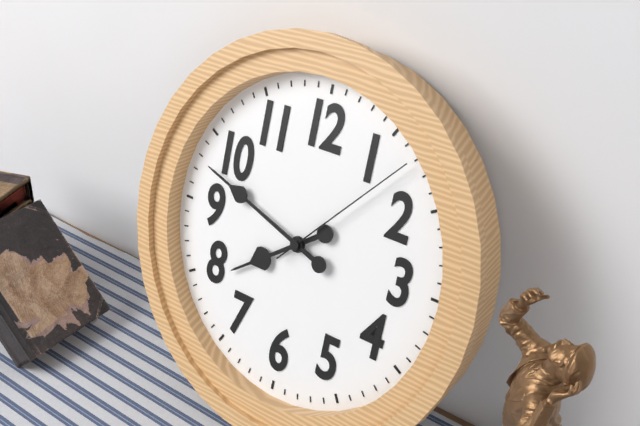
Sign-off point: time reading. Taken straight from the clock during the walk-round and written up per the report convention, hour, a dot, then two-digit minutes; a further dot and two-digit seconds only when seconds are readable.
7.48.07
